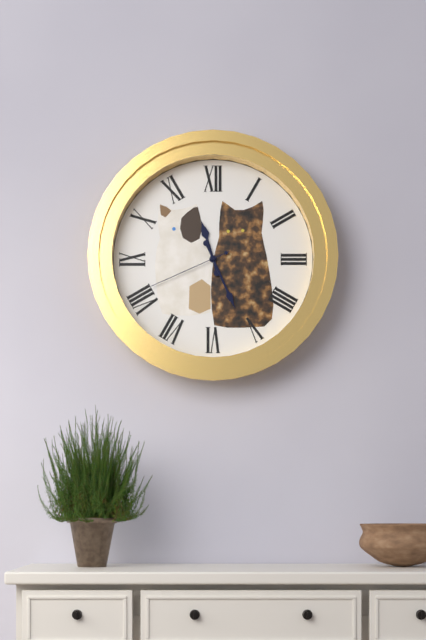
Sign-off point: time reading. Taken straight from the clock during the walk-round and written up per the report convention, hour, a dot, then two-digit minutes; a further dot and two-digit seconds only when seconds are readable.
11.26.41
